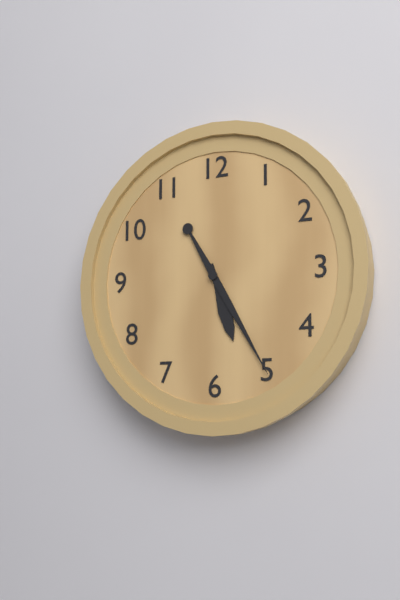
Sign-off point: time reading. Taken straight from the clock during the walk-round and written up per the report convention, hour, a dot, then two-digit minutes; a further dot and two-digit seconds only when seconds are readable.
5.25
